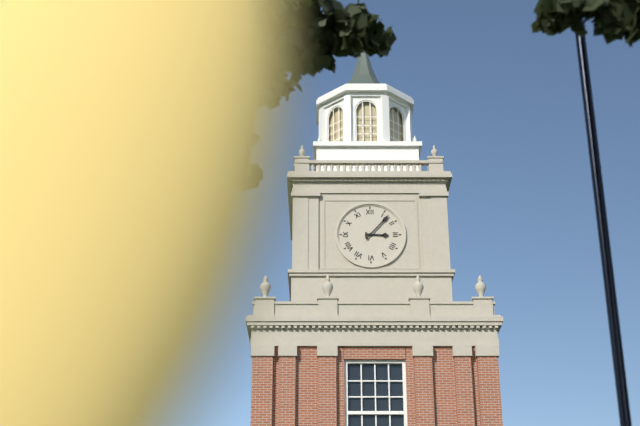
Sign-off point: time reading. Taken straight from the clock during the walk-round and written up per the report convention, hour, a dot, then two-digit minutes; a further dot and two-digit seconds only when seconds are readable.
3.07
